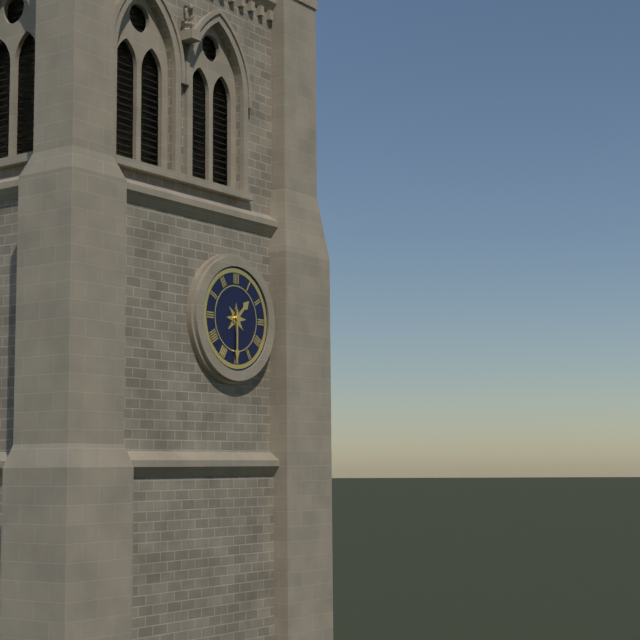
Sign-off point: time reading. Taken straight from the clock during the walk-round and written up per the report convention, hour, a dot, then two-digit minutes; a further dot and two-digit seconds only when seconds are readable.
1.30
